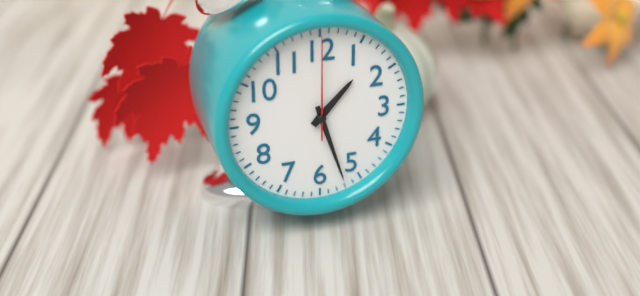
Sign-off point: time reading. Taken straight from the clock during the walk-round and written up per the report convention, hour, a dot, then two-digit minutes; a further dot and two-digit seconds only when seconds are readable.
1.27.00
